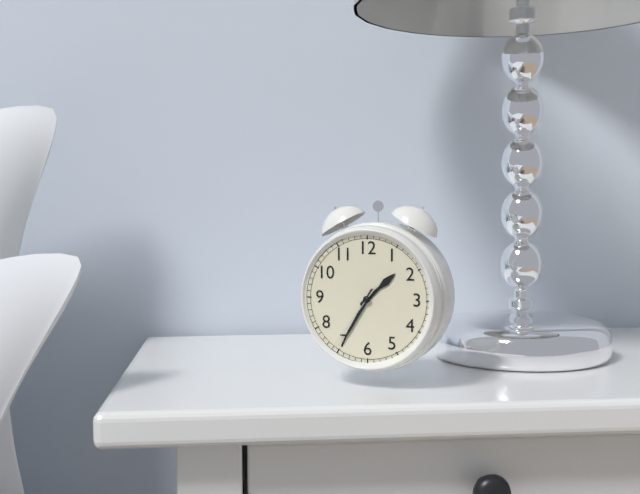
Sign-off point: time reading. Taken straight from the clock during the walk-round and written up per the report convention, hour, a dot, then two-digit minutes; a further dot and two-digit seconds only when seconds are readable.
1.35.36
